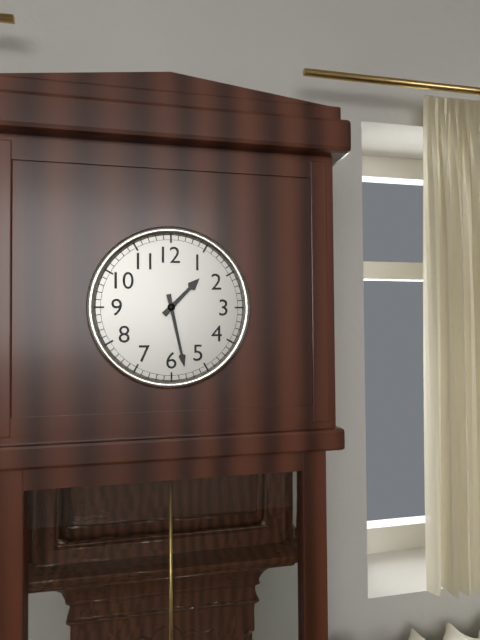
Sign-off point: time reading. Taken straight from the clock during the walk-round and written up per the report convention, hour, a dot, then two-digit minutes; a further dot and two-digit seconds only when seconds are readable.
1.28
